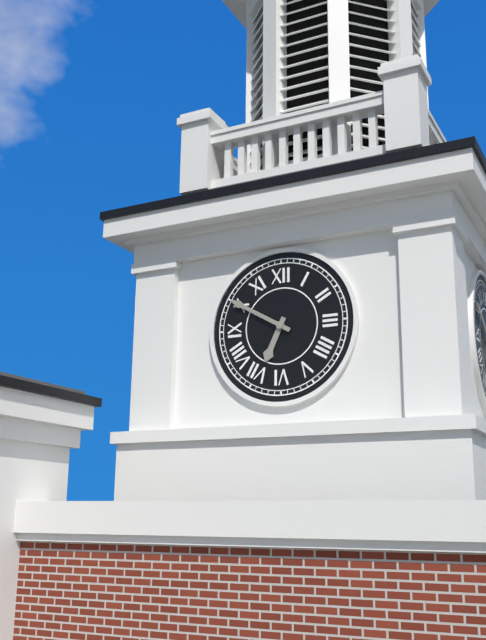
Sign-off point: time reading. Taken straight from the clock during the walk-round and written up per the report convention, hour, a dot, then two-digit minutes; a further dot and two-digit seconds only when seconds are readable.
6.50
